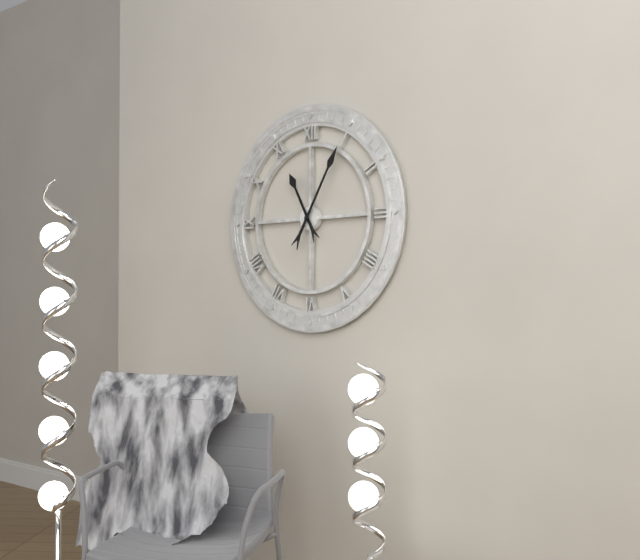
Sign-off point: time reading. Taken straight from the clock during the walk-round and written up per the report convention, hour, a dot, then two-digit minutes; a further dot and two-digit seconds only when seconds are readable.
11.05
